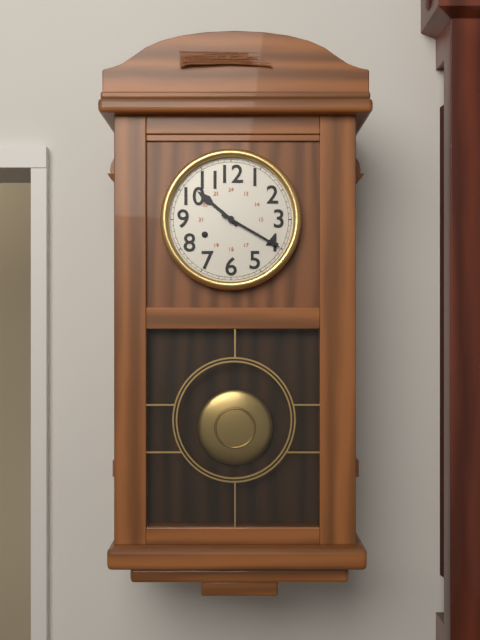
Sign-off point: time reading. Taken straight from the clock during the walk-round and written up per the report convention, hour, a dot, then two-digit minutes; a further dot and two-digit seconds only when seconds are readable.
10.20
